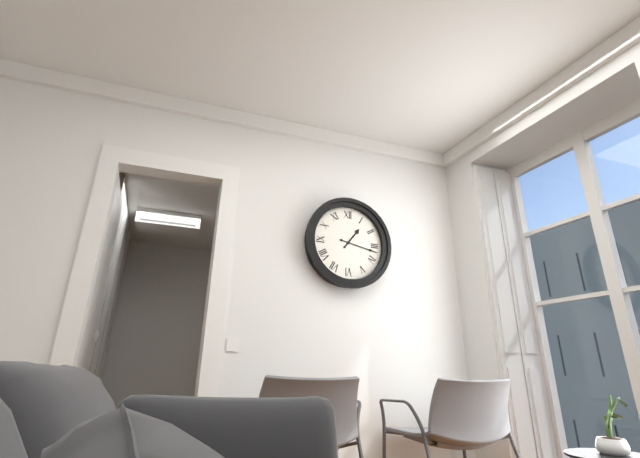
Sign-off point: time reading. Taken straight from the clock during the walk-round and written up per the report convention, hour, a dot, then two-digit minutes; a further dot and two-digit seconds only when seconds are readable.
1.17
